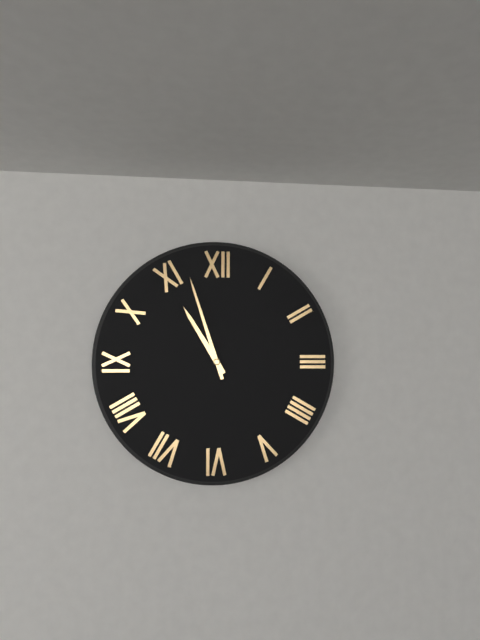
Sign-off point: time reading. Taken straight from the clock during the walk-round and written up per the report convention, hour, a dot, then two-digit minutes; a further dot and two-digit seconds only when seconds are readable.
10.57
